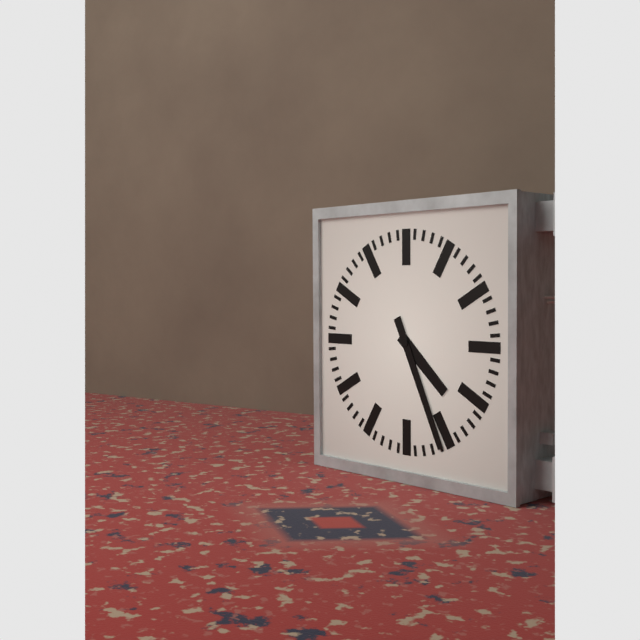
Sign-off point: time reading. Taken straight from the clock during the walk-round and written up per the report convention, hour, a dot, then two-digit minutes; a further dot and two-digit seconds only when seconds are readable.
4.26
